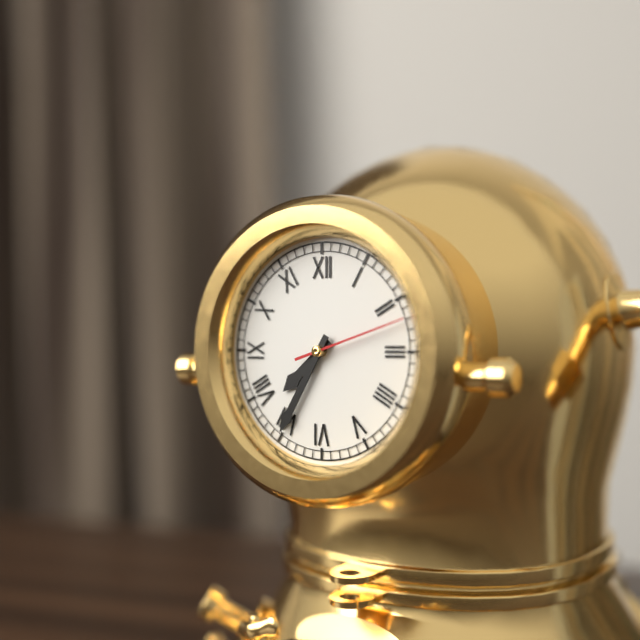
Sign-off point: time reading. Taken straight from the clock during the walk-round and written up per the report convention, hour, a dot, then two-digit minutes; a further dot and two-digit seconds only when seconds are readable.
7.35.12
